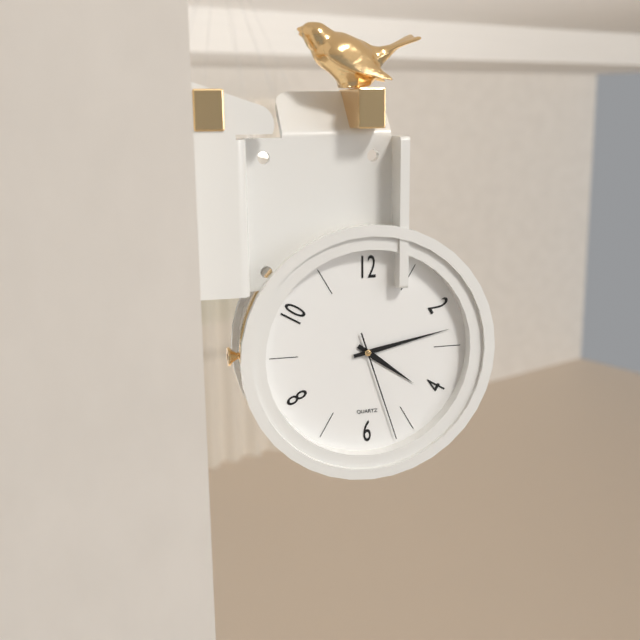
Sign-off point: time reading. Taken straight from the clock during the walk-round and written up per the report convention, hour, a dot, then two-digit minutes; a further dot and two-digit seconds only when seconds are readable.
4.13.27
